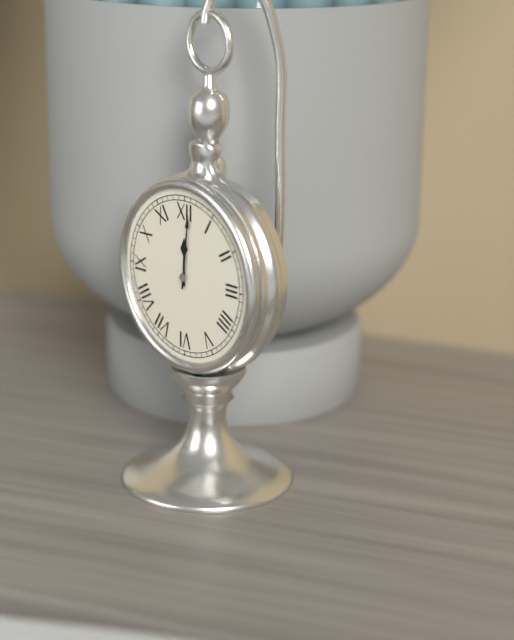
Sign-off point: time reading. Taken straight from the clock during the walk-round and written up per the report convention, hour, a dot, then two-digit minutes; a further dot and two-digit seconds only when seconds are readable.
12.01
